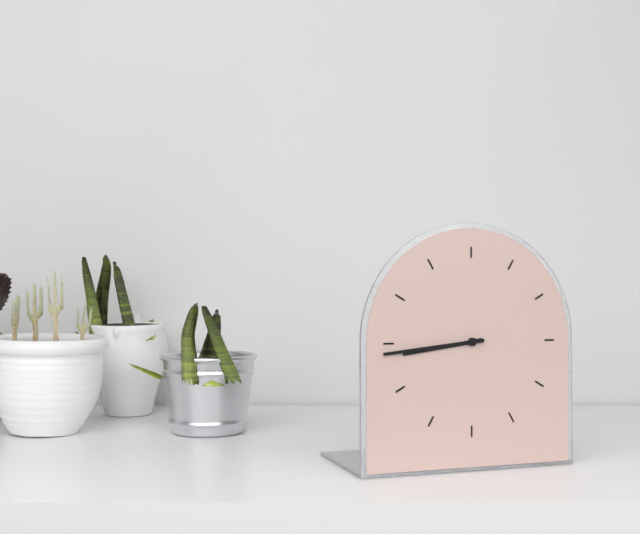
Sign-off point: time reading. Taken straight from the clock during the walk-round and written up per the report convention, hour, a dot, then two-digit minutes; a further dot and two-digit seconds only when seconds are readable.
8.44
